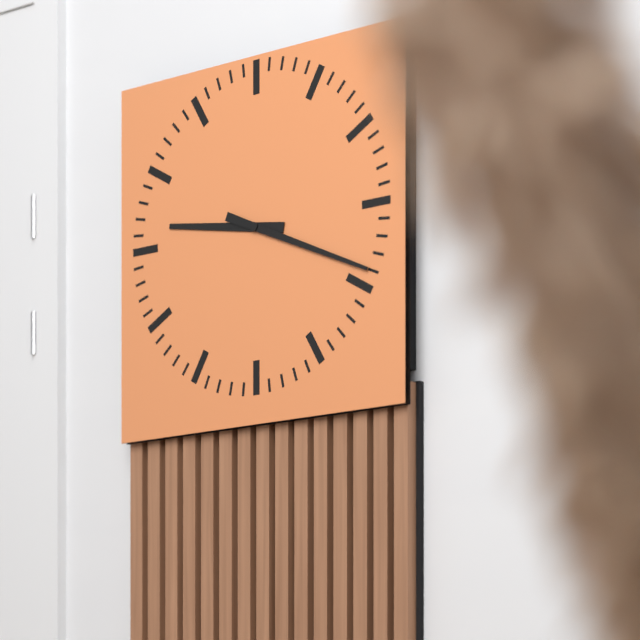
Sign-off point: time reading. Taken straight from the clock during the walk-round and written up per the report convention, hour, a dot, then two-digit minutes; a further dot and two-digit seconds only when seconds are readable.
9.19
